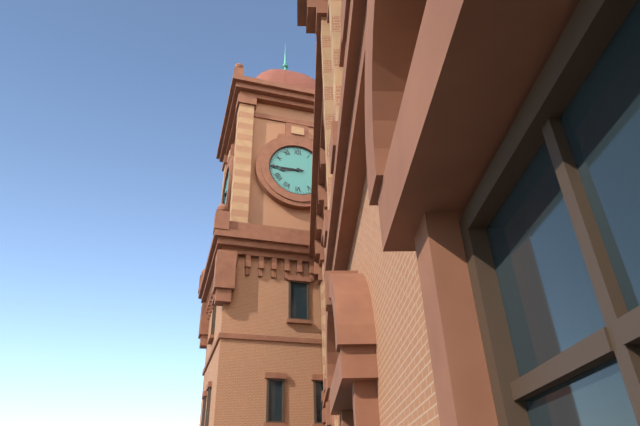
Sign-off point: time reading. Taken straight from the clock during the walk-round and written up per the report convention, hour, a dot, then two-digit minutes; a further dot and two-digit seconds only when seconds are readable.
8.45
